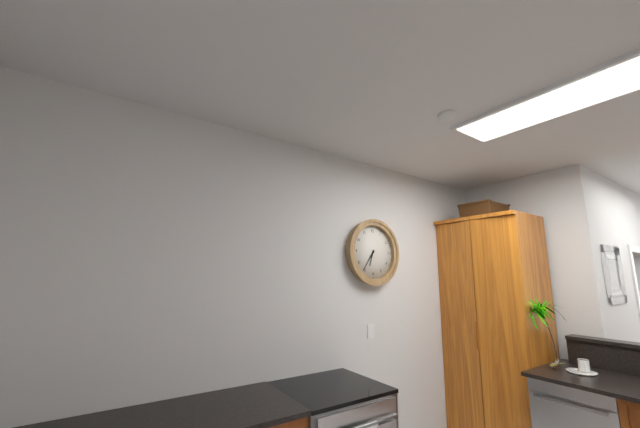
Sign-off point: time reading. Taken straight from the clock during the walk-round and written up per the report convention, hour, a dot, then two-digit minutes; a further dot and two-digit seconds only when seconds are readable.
6.36
